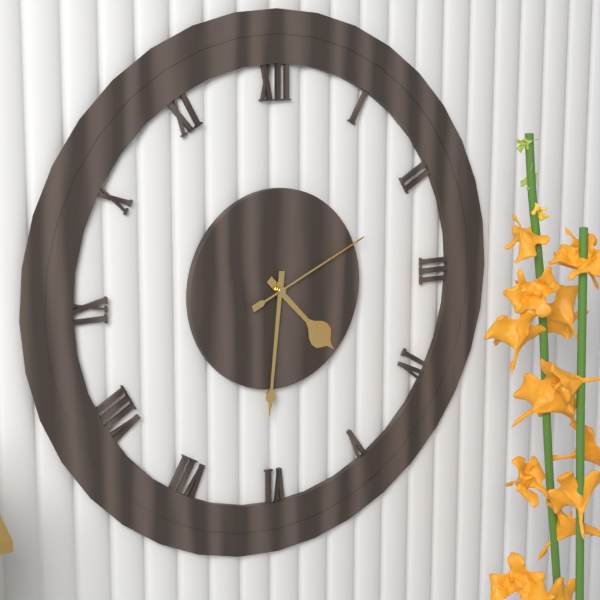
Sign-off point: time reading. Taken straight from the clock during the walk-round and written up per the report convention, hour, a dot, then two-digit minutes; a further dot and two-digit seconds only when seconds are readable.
4.31.11
